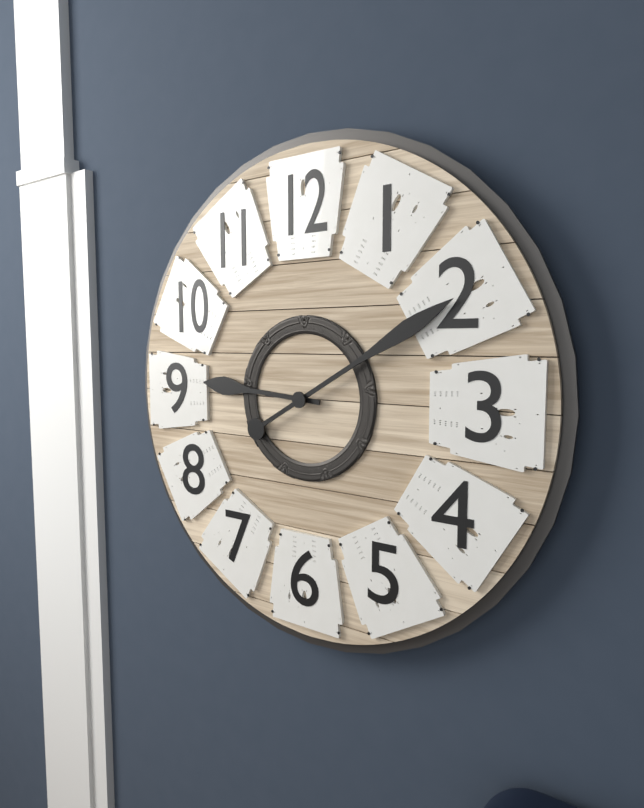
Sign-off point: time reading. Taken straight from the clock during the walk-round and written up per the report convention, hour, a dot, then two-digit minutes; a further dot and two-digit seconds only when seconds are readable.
9.10
